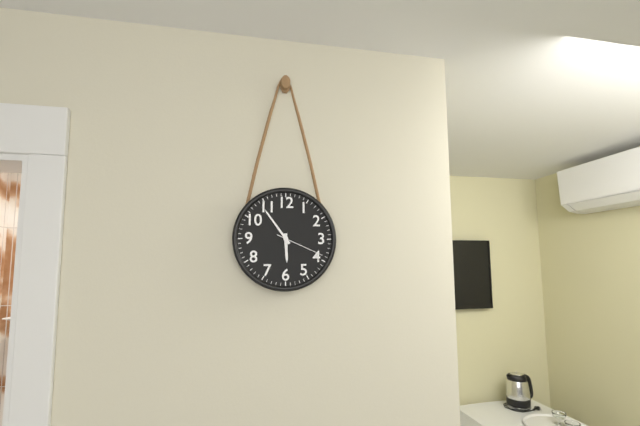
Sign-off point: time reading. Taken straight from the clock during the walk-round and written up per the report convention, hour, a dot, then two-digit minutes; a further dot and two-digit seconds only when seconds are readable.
5.54.19
